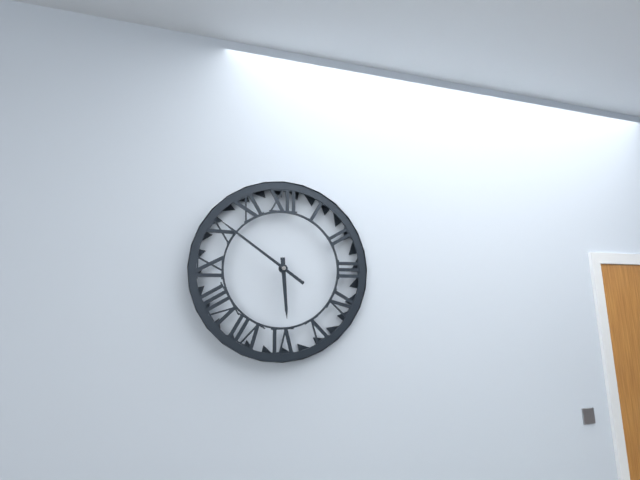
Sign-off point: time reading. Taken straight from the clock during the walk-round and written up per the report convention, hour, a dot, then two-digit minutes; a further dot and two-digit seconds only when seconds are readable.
5.51
